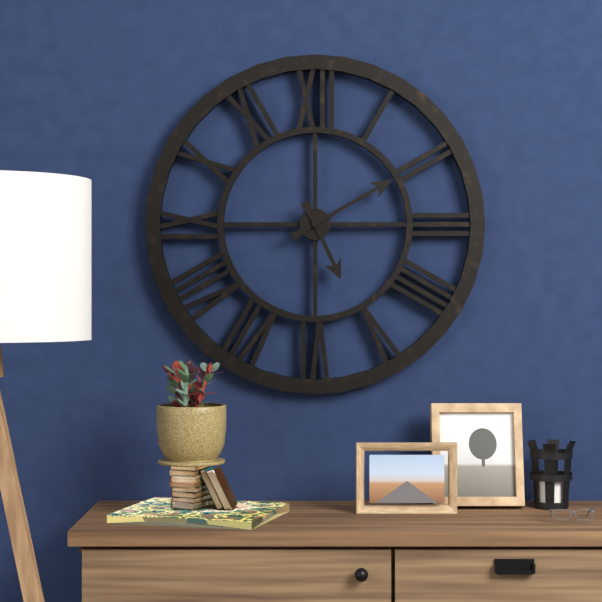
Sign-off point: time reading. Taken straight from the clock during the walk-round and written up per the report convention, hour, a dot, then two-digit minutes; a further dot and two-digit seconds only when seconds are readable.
5.10
